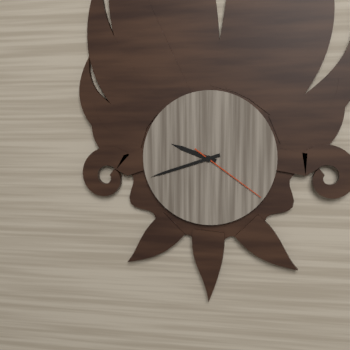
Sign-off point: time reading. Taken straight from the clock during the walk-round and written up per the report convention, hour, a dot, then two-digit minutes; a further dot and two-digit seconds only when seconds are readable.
9.42.21
